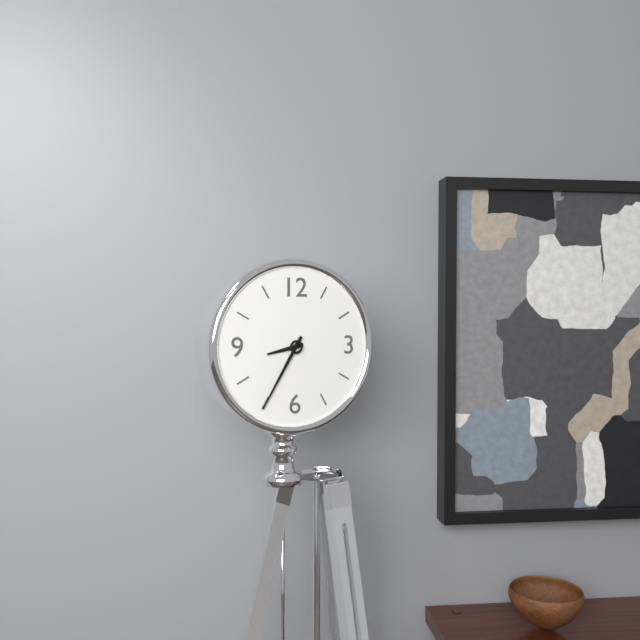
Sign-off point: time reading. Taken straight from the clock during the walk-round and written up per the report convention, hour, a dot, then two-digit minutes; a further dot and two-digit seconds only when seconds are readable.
8.35
